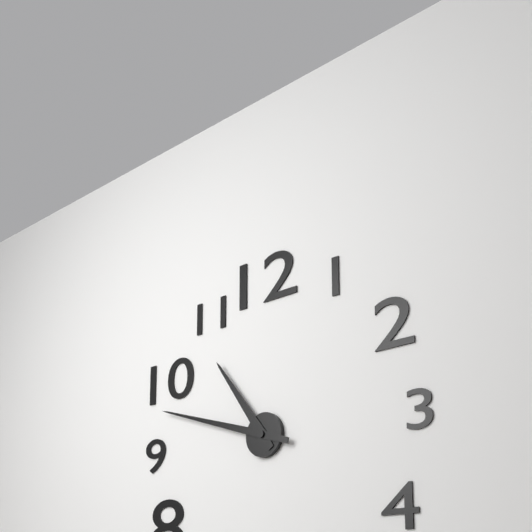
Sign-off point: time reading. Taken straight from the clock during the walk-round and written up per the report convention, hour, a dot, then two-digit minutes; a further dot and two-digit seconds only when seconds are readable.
10.48
